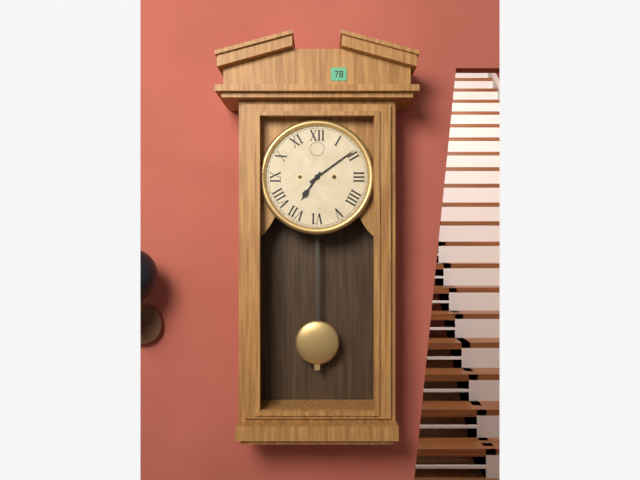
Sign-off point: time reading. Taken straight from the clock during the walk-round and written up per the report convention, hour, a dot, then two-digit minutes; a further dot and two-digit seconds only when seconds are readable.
7.09
